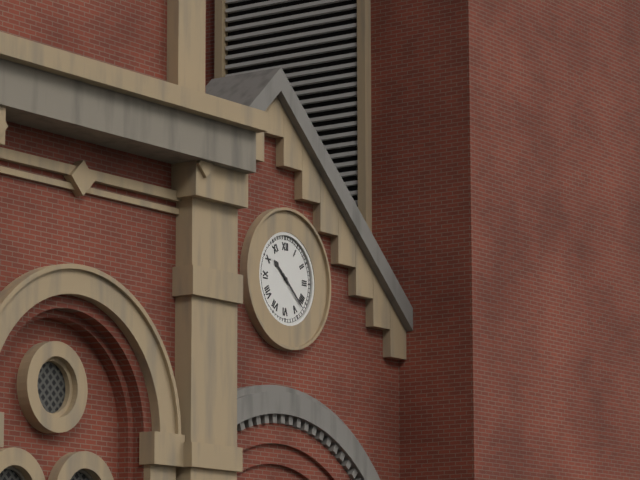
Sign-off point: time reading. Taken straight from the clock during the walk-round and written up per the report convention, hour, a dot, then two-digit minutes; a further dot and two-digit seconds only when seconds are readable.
10.22
